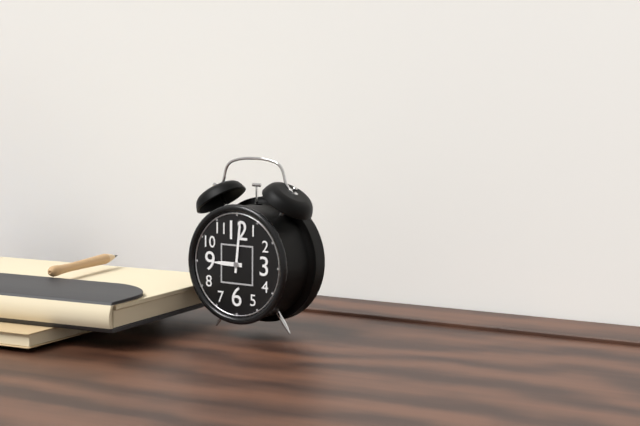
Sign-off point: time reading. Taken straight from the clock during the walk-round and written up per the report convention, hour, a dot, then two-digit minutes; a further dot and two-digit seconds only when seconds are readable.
9.01
